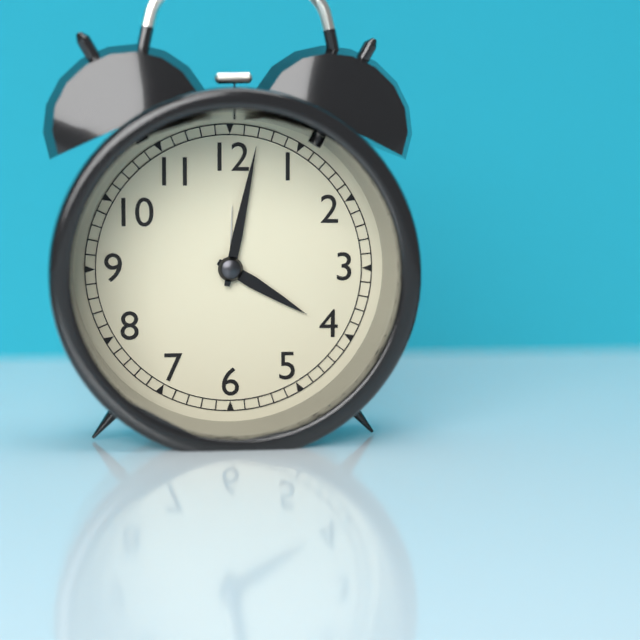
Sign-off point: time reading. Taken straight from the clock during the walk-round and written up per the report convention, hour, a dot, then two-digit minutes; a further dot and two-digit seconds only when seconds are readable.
4.02
